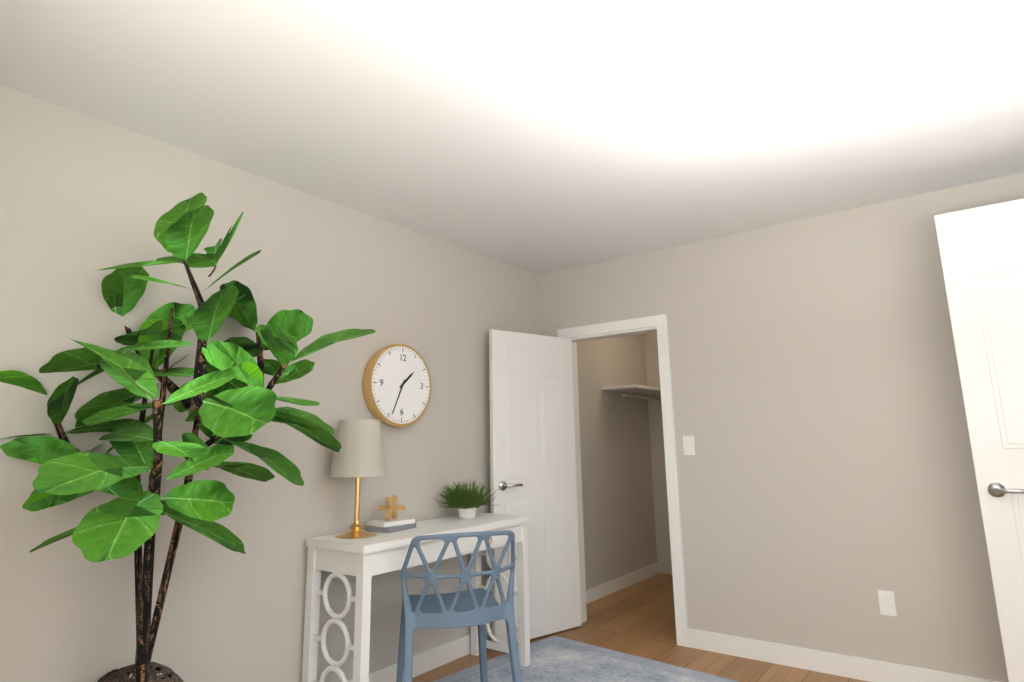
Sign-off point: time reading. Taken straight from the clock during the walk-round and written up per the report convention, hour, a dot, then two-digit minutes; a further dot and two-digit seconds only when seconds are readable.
1.34
